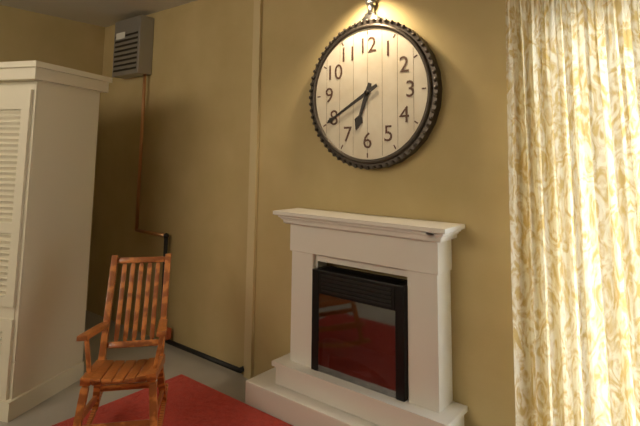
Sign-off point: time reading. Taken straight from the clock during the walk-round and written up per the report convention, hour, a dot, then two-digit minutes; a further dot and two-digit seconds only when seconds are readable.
6.40
